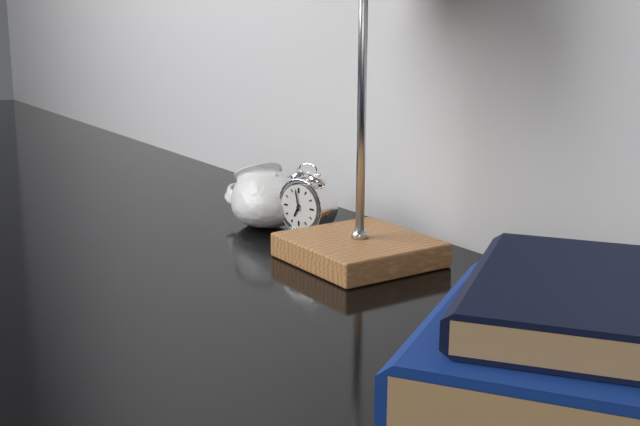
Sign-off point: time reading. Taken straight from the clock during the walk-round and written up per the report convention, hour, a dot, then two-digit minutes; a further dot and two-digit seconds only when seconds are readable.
6.58
